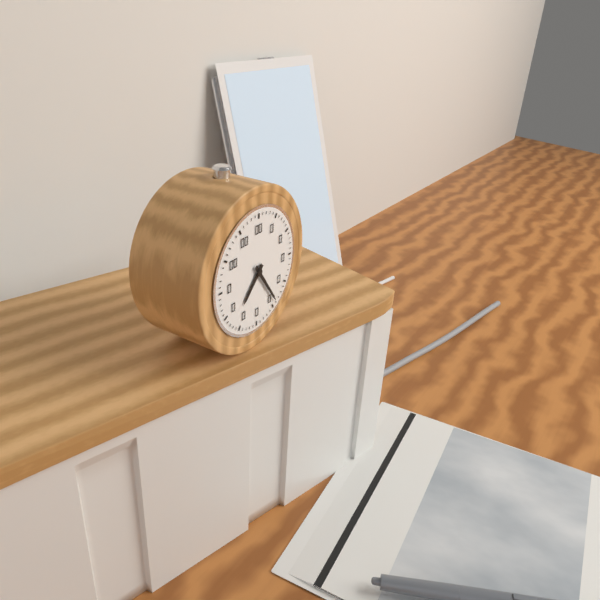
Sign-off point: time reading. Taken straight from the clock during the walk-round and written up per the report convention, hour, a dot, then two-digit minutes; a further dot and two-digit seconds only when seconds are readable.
7.24
